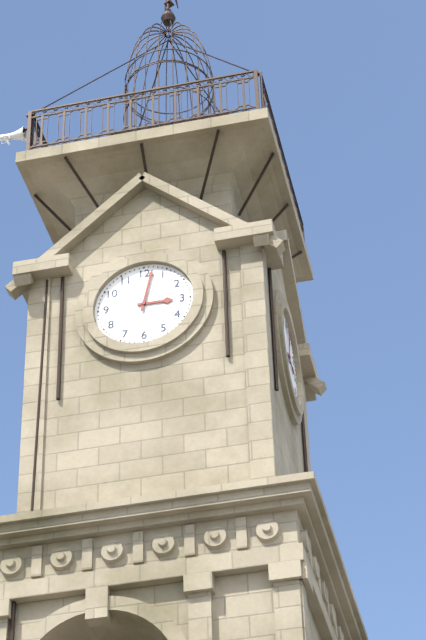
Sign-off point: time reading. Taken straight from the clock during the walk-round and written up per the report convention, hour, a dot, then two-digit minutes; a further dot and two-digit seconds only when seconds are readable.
3.02
